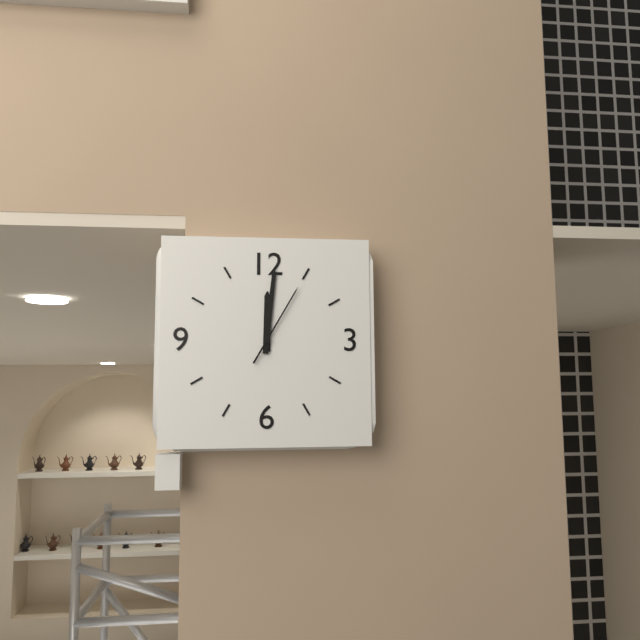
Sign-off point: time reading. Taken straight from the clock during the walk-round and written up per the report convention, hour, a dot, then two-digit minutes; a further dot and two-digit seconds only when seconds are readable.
12.01.05
